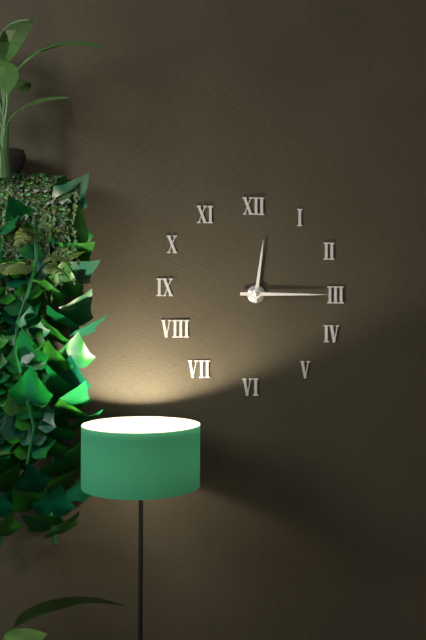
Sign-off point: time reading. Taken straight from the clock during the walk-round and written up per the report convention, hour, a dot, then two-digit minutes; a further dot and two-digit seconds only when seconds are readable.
12.15
